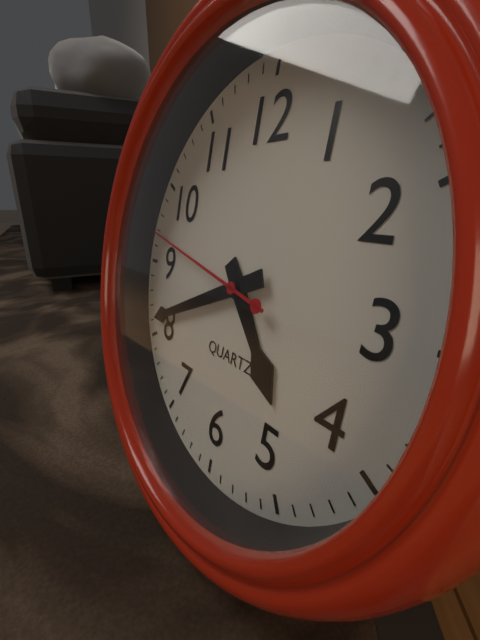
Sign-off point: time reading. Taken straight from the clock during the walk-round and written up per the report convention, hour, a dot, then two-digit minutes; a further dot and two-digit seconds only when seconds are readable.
4.41.47
